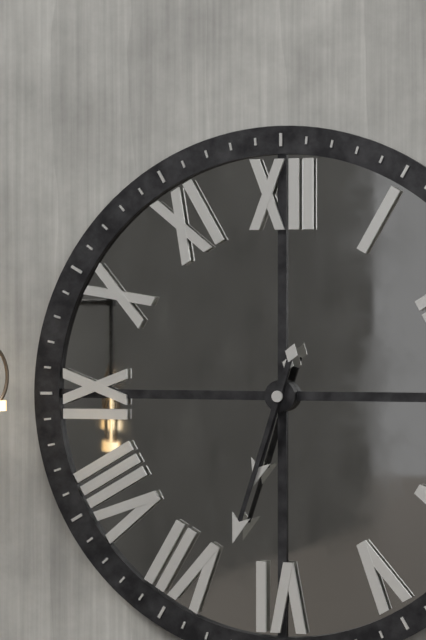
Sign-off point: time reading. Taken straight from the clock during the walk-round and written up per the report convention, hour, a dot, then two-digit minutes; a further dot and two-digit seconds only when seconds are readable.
6.33
